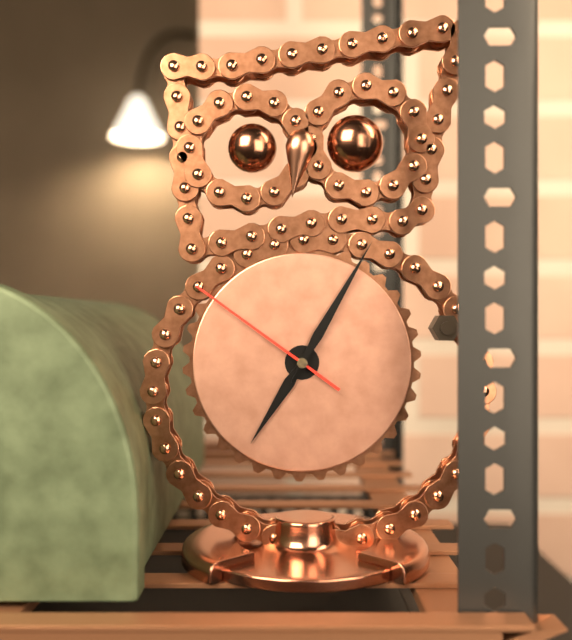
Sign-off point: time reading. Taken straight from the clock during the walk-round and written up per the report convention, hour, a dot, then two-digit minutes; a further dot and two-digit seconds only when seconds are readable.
7.05.51
